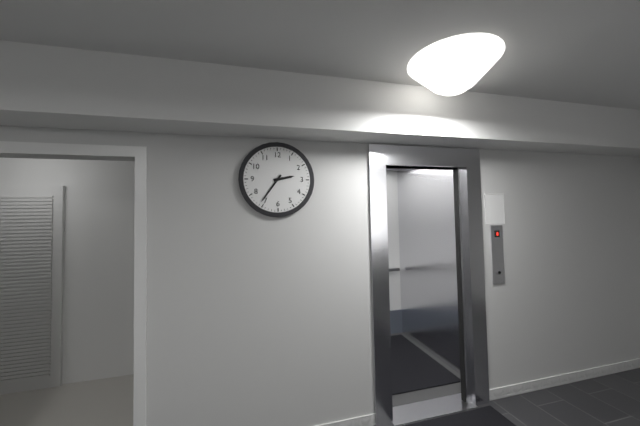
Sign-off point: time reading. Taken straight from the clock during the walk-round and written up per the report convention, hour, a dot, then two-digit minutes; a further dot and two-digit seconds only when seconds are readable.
2.36
